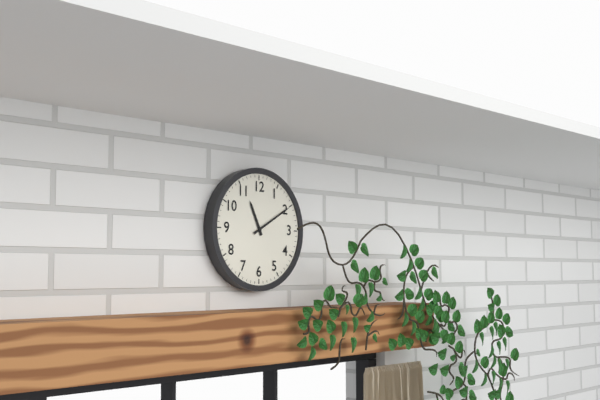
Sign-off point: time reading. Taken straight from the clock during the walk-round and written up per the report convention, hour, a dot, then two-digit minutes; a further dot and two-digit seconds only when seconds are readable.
11.10
